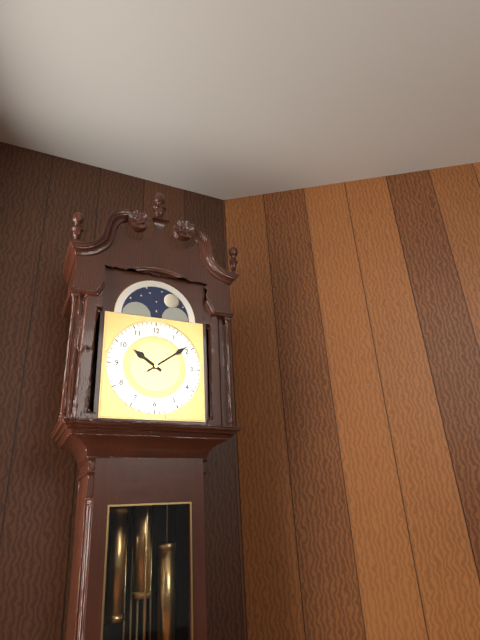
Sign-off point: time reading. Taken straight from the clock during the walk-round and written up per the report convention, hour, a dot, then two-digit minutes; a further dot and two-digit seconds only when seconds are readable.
10.09
